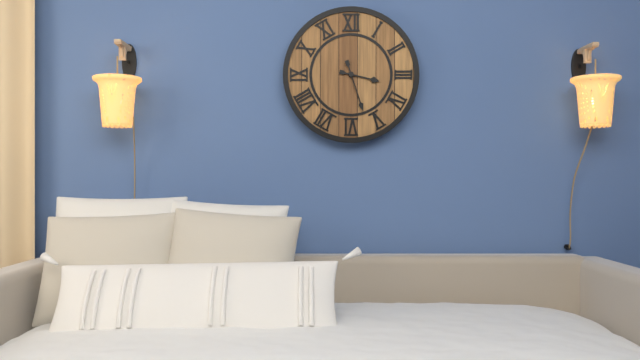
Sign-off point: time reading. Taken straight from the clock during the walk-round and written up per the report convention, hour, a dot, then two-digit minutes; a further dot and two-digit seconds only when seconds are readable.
3.27
